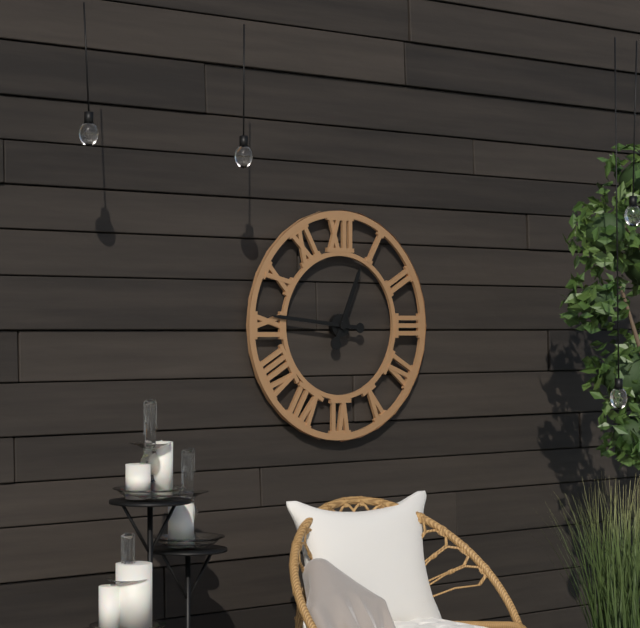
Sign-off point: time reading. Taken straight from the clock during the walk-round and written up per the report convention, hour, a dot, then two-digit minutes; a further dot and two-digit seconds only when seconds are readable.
12.46
